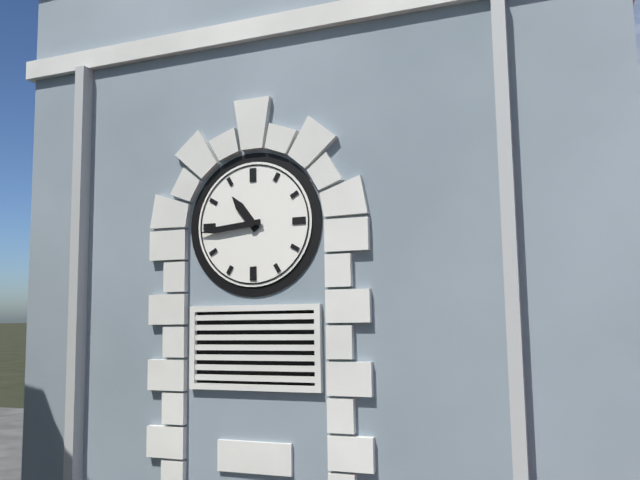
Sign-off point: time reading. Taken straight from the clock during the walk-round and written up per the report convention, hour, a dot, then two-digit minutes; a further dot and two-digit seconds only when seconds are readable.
10.44
